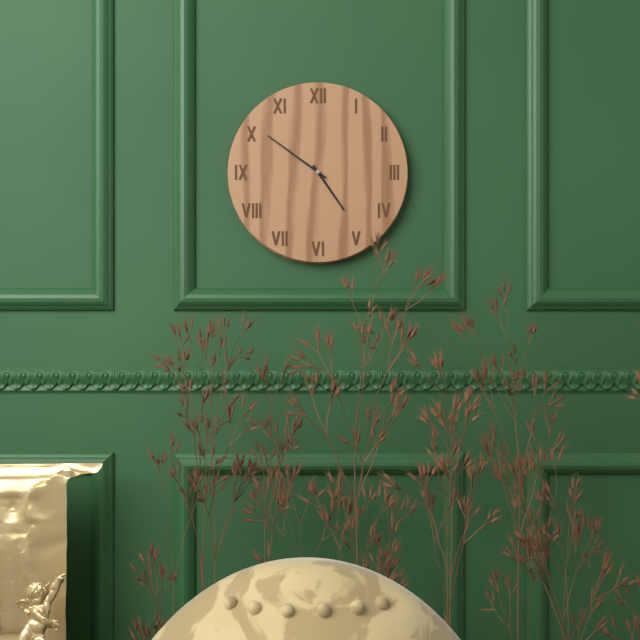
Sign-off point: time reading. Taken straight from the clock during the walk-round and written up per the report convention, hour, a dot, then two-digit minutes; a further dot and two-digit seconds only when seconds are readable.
4.51
